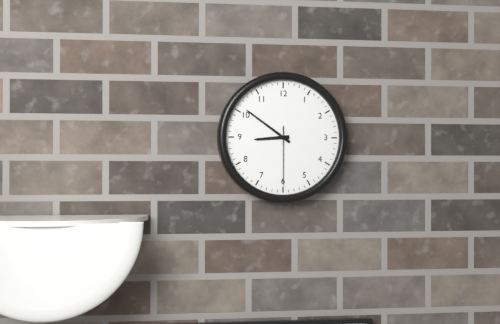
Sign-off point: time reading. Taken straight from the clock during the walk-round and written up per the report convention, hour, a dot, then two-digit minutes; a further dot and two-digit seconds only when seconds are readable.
8.51.30
